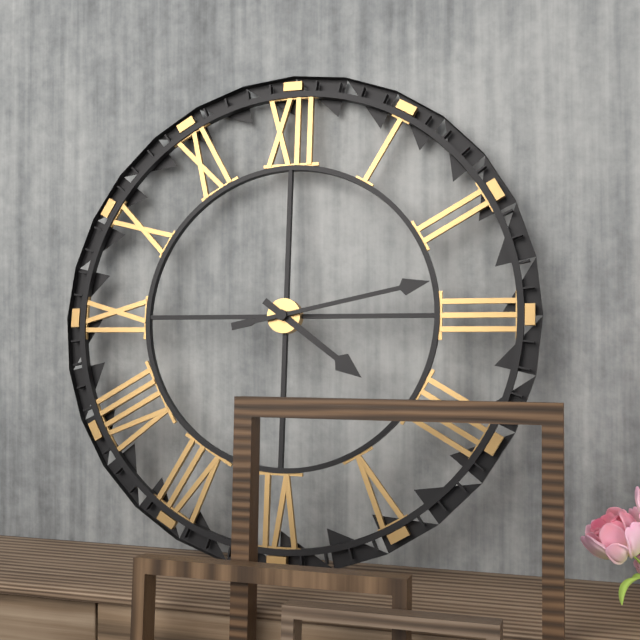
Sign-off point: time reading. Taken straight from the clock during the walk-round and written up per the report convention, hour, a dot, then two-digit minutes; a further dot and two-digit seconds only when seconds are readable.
4.13
